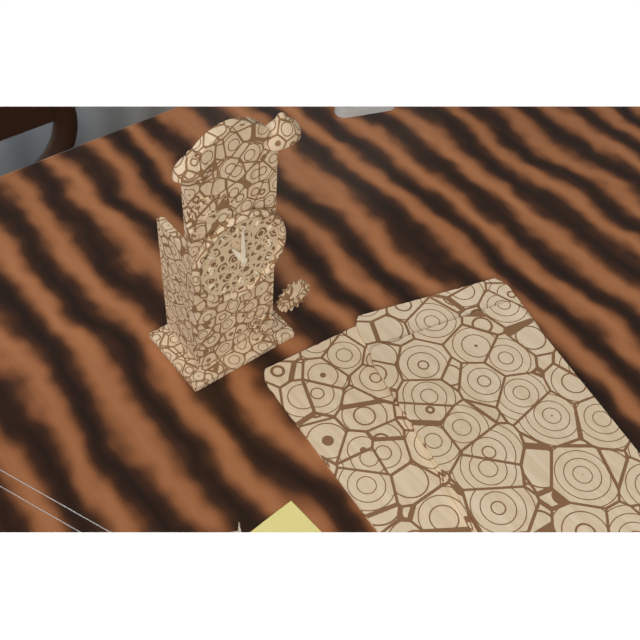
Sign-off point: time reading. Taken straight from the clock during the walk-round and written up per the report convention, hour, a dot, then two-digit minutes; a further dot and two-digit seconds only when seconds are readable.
11.00
